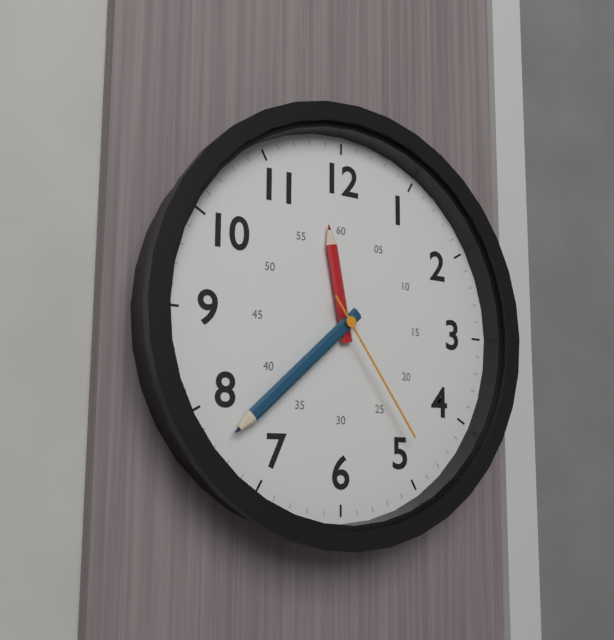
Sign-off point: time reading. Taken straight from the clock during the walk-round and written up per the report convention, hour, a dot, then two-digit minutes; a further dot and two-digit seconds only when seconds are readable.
11.38.24
